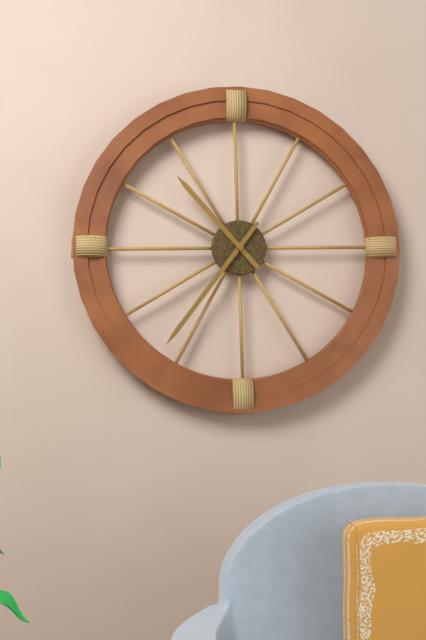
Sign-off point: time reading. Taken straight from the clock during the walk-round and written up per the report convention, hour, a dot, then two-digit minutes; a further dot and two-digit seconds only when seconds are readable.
10.36
